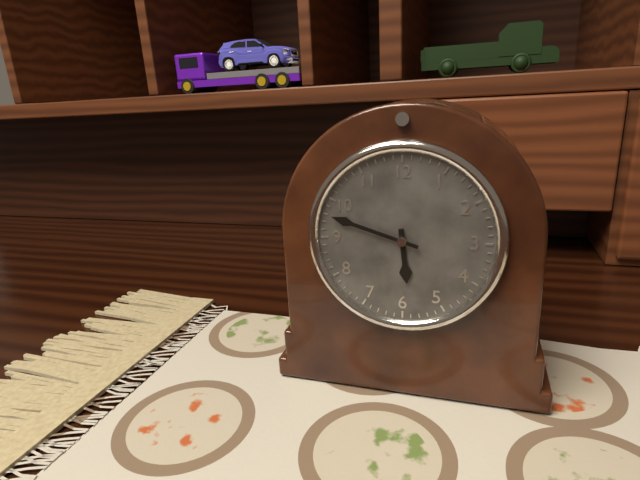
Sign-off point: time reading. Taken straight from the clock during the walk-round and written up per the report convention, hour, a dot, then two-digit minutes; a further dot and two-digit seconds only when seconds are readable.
5.48
